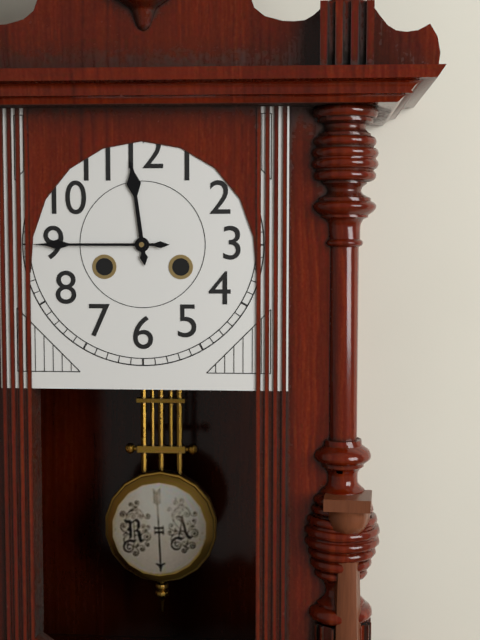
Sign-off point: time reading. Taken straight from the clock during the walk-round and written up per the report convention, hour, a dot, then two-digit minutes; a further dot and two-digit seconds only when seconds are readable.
11.45
